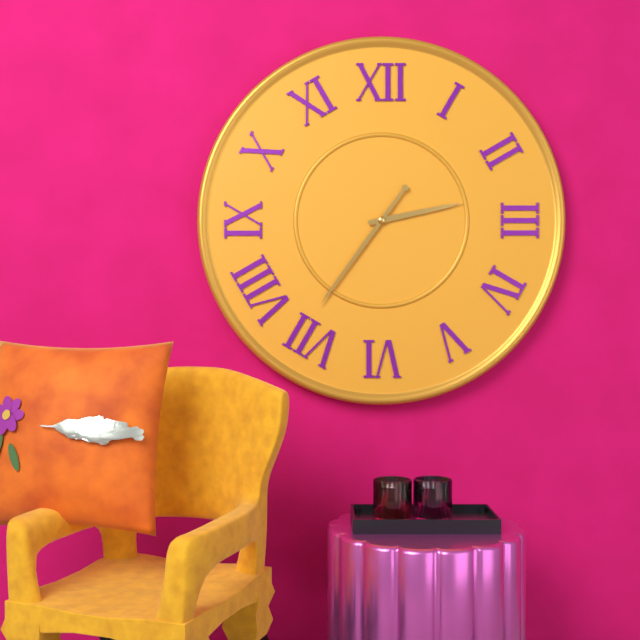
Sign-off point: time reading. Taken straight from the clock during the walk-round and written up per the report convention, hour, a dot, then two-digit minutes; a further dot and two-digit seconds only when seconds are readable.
2.36
